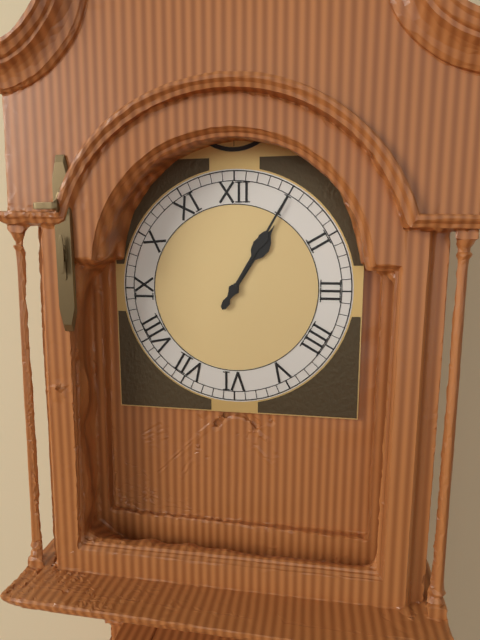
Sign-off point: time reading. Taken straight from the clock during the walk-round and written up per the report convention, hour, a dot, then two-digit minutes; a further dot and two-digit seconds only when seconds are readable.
1.05
